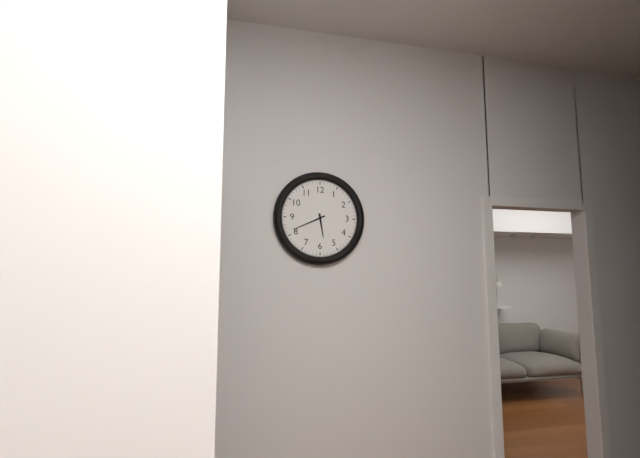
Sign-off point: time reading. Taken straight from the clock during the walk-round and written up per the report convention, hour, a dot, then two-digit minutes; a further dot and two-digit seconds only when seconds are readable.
5.41
